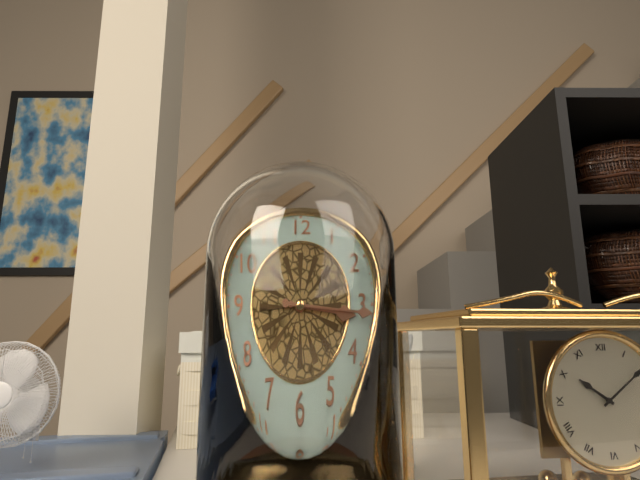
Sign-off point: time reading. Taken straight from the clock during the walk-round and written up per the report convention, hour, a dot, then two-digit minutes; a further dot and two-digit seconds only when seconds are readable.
3.16
